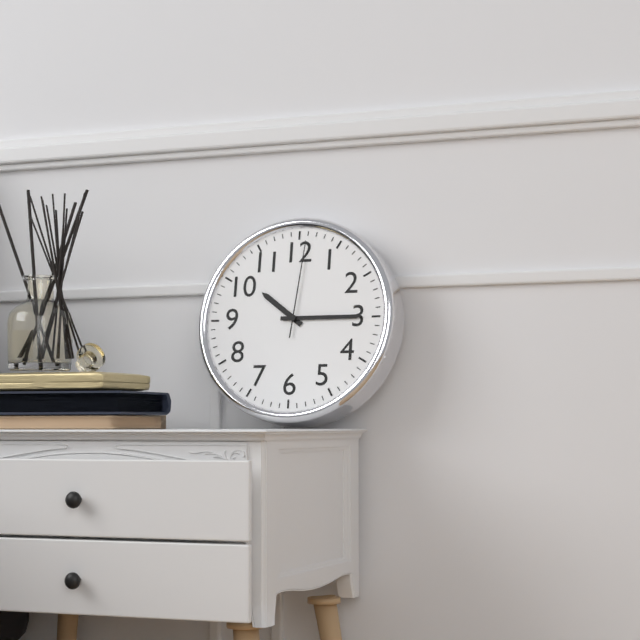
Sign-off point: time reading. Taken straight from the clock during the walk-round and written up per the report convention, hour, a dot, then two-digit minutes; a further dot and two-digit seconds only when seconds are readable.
10.15.01
